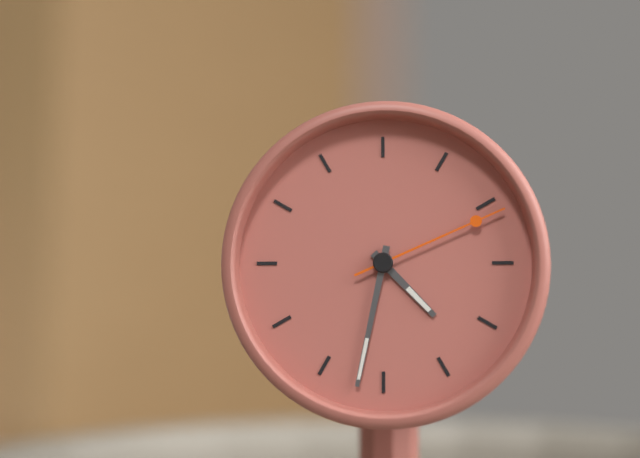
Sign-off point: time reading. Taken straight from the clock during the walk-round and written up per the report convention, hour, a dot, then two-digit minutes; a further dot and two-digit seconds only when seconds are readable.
4.32.11
